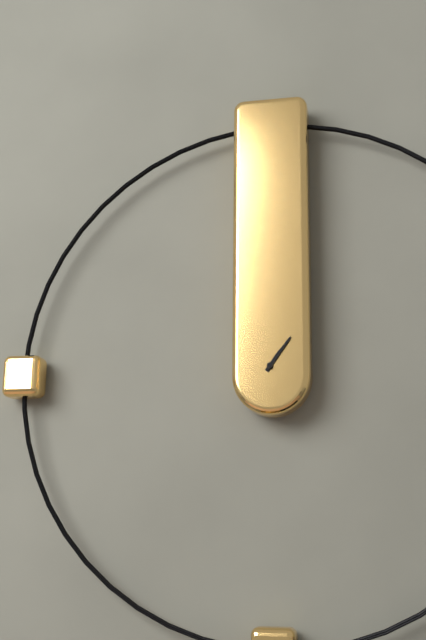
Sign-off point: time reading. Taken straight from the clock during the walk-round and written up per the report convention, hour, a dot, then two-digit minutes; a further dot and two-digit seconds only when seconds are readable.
1.06
